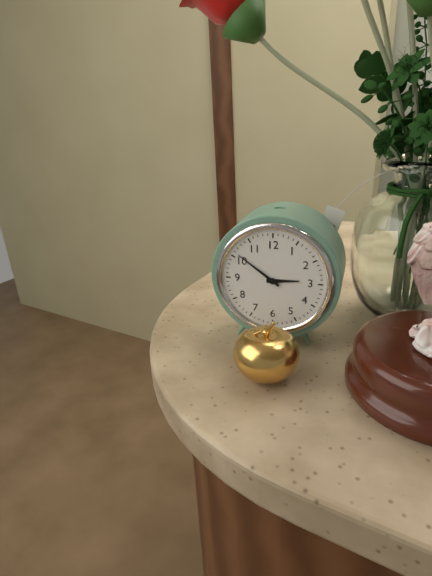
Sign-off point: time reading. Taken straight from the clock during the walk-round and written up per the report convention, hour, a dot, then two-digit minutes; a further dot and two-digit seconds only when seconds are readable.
2.51
